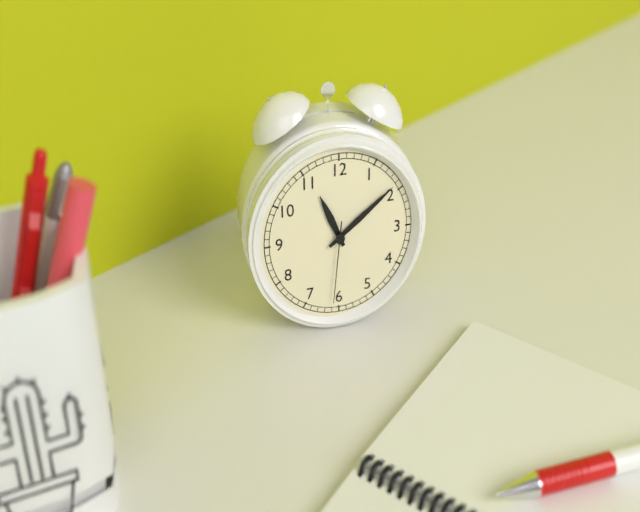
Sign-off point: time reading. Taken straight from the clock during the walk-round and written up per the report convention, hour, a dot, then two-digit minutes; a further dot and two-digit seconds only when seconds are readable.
11.09.31
